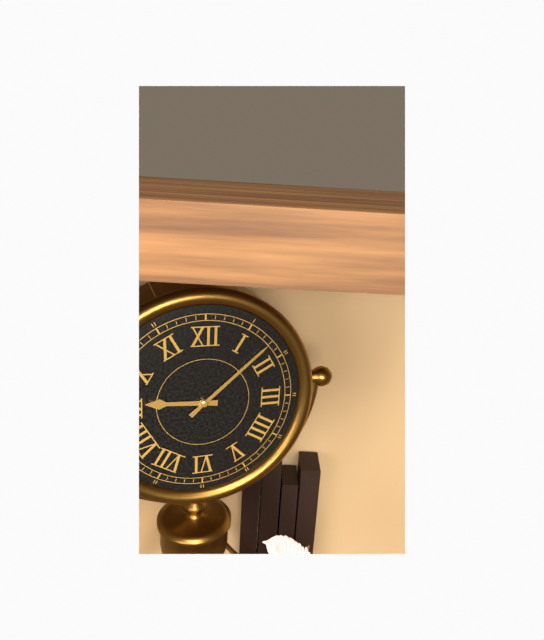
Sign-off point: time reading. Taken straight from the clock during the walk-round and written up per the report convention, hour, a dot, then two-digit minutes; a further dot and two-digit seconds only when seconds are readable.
9.08
